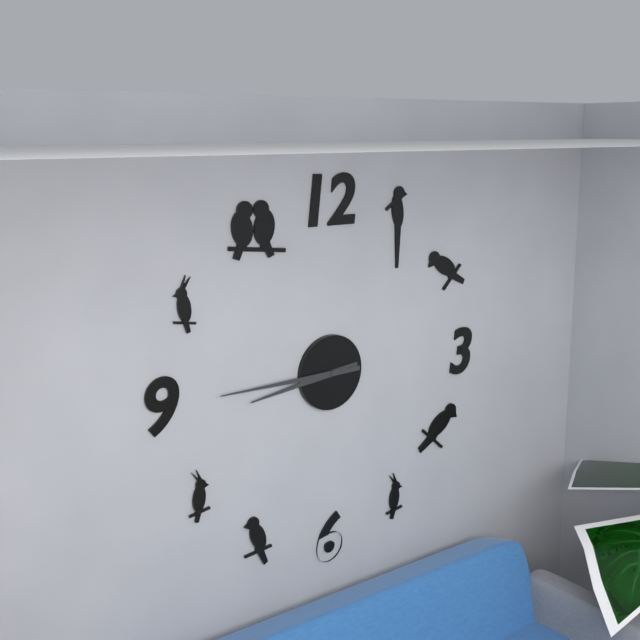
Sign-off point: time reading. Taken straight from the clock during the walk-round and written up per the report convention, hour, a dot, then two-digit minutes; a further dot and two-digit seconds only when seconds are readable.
8.45
